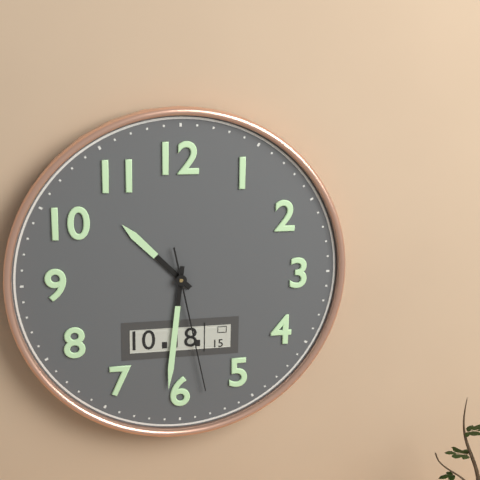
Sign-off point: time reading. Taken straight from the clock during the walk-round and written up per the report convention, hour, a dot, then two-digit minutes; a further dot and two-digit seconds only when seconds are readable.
10.31.28
